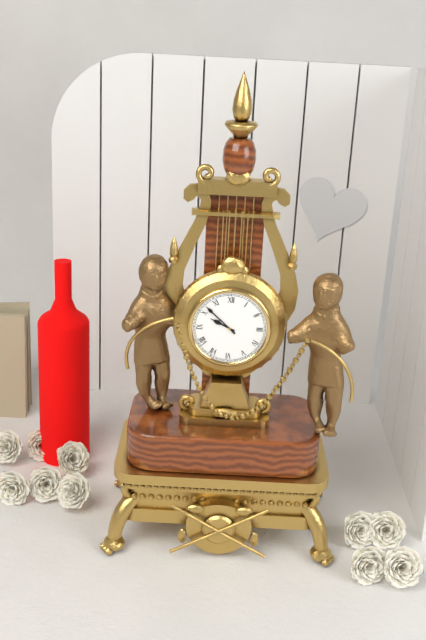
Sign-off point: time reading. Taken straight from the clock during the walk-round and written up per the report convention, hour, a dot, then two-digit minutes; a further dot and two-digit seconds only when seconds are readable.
9.52
